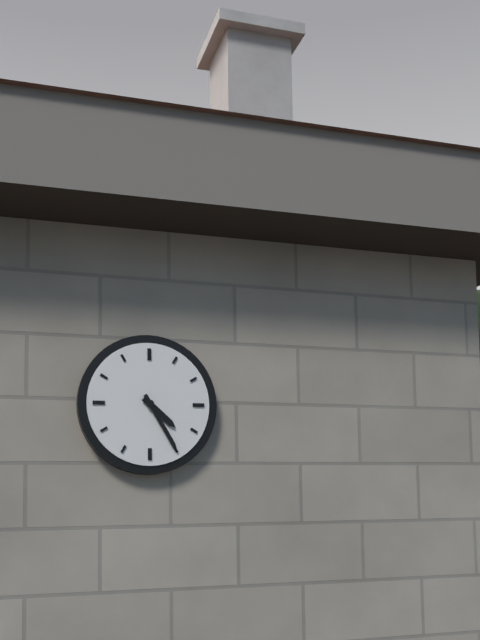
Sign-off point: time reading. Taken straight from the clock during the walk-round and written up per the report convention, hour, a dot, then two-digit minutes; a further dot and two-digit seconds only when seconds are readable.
4.25
